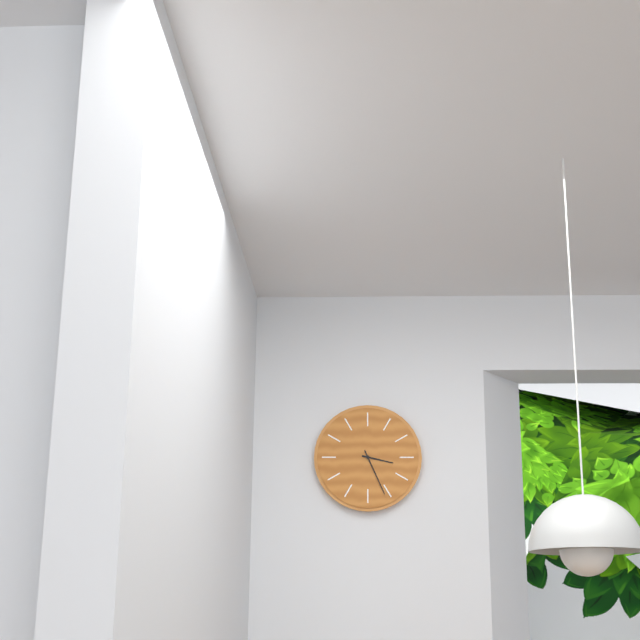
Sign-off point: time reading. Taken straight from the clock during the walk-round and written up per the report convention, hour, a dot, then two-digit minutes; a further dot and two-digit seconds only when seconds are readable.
3.26
